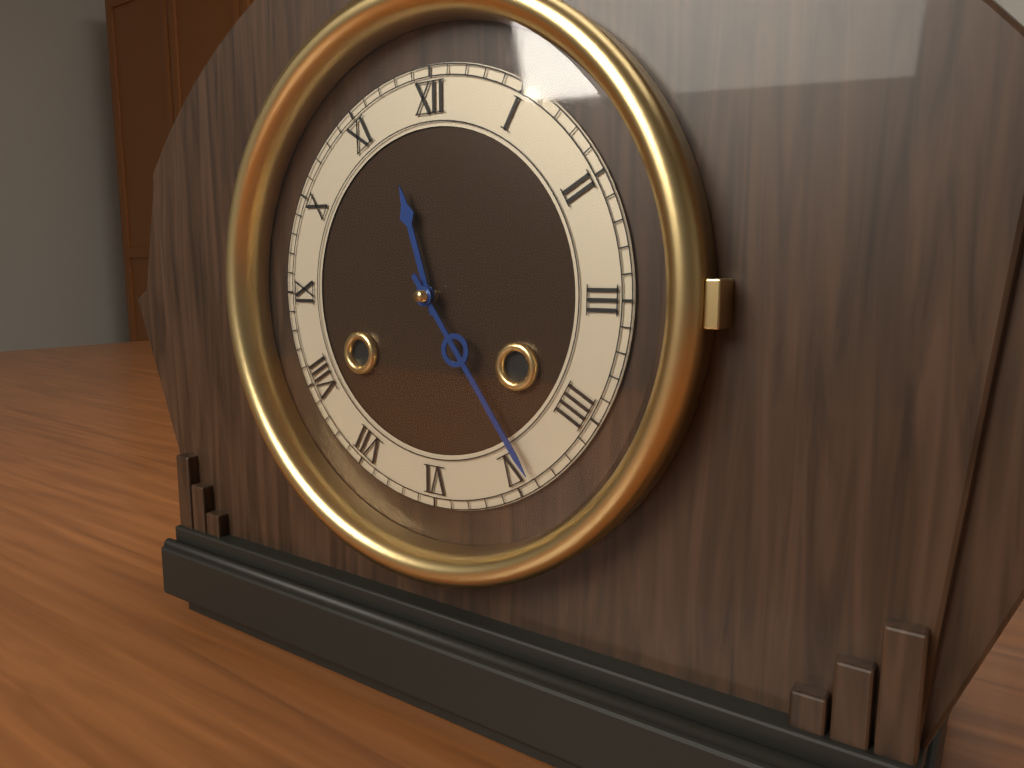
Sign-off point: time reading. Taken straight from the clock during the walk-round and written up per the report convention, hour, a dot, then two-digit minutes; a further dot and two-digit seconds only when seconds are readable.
11.24
